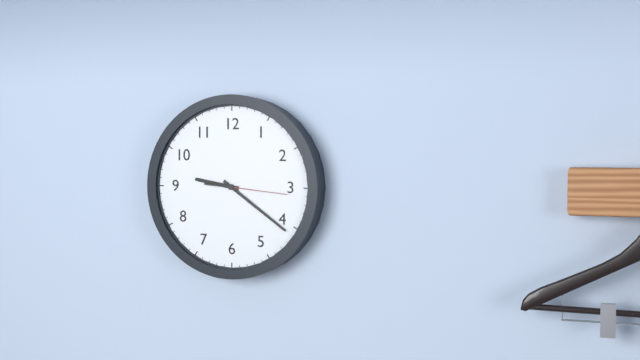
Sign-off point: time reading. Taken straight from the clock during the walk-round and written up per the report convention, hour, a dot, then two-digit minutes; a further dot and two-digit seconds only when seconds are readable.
9.21.16
